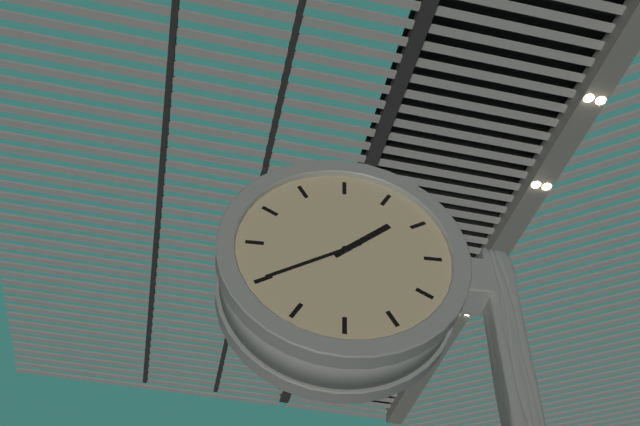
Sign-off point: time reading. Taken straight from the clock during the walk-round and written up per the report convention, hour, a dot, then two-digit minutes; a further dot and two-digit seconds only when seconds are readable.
1.40
